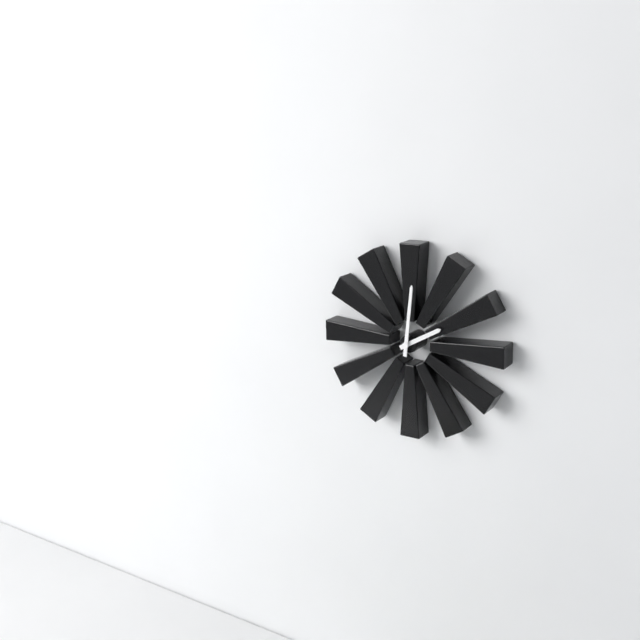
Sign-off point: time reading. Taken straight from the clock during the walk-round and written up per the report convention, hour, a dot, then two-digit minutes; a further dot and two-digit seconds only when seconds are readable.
2.01
